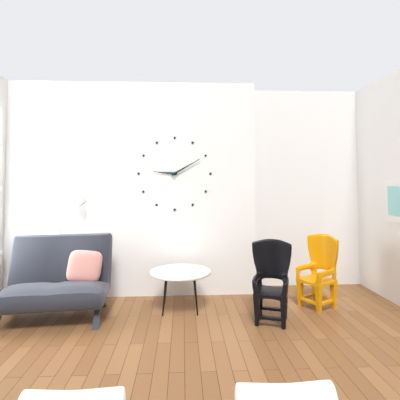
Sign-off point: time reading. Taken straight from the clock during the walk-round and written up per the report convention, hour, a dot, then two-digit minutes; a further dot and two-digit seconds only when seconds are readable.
9.10
